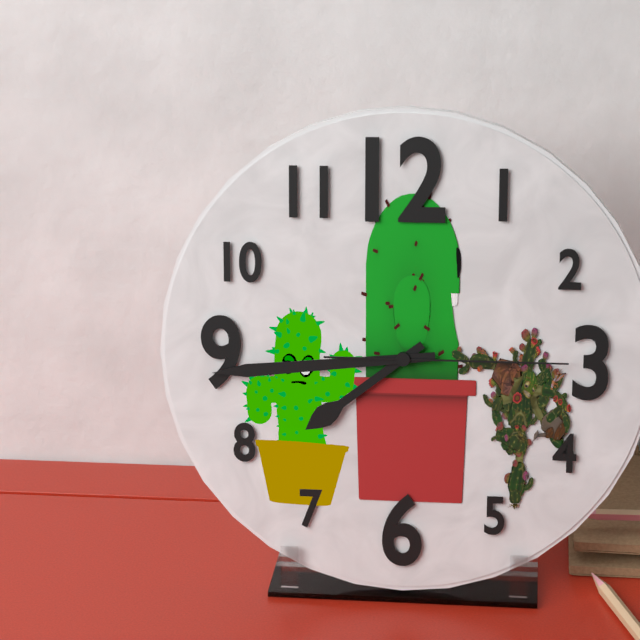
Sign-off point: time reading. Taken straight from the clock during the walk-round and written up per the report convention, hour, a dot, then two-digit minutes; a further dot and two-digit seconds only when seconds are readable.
7.44.15
